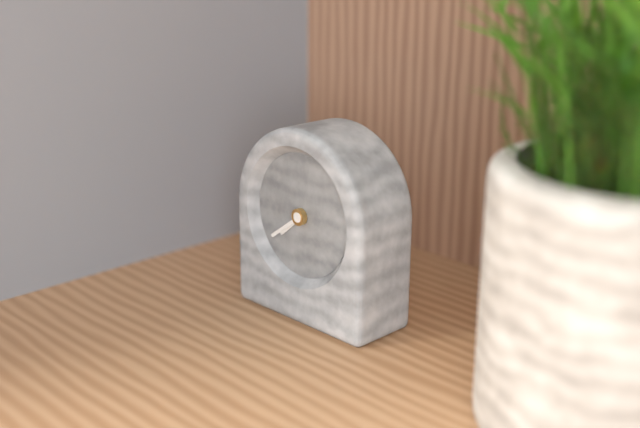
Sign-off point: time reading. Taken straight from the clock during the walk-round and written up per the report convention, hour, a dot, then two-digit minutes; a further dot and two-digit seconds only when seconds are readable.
7.39
